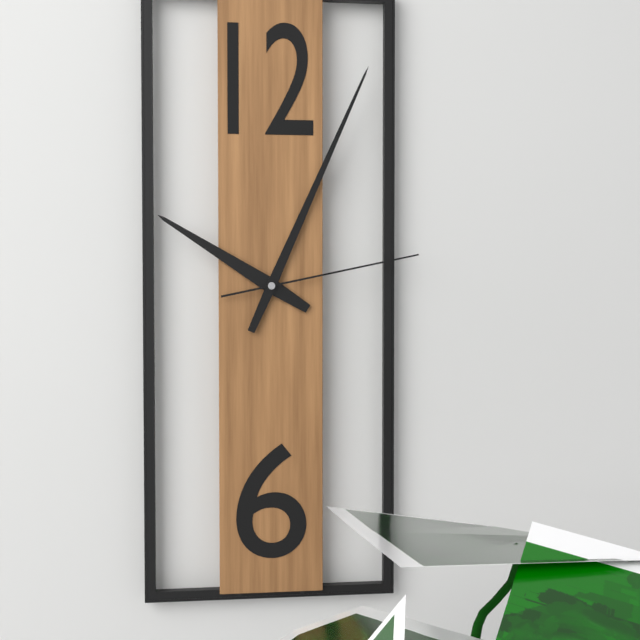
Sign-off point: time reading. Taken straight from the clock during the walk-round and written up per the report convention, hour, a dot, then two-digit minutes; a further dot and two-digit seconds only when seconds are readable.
10.04.13
